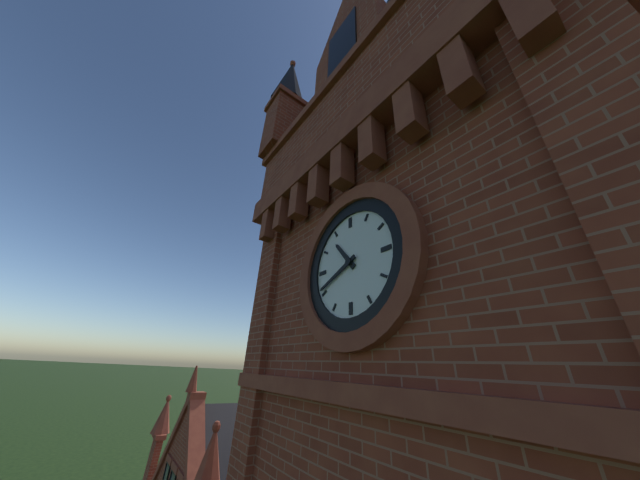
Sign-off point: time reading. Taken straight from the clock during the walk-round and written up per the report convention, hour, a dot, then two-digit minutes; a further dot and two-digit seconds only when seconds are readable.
10.41
